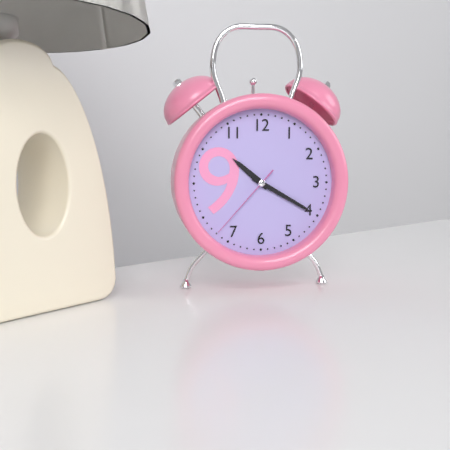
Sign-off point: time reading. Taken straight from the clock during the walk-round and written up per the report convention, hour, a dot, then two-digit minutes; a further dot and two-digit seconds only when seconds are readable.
10.20.37
